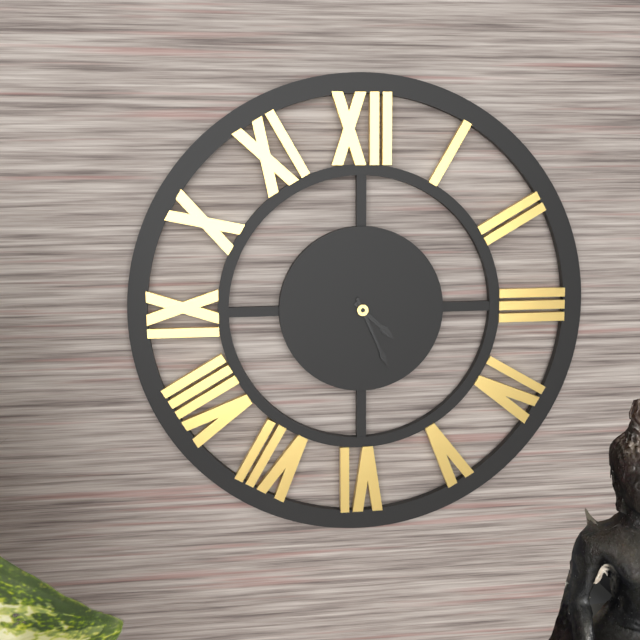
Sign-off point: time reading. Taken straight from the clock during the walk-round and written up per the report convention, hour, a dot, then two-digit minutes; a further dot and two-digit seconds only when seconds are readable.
4.26
